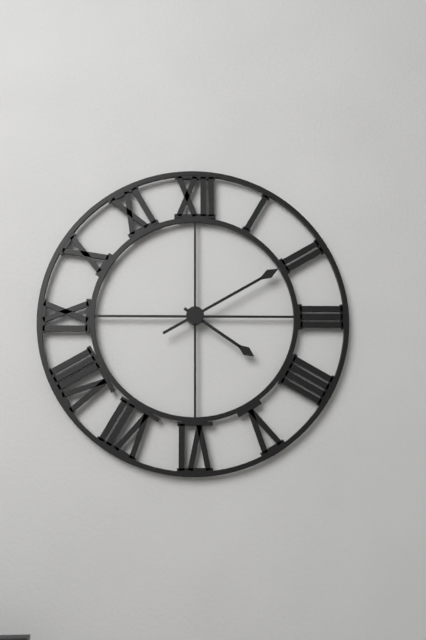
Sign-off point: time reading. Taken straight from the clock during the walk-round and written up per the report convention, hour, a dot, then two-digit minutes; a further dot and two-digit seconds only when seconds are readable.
4.10
